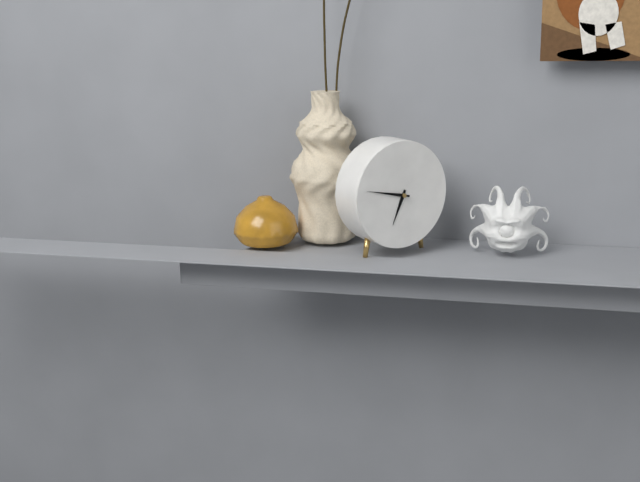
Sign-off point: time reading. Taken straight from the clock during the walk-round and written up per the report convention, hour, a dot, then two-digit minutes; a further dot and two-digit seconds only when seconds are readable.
6.47
